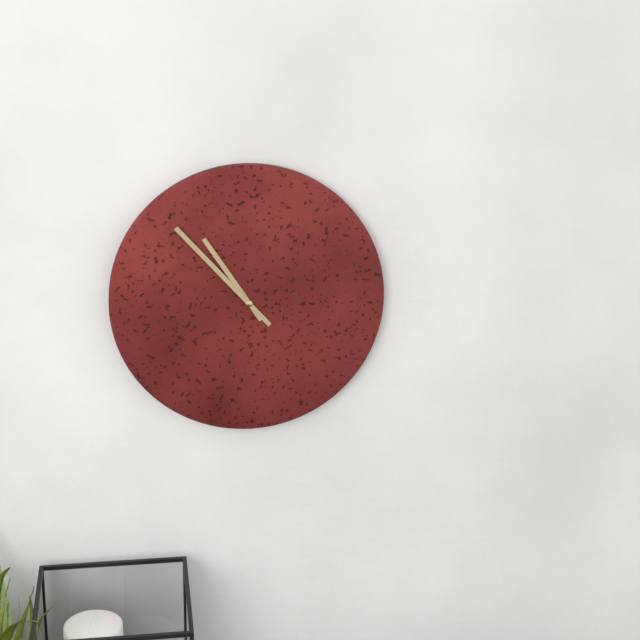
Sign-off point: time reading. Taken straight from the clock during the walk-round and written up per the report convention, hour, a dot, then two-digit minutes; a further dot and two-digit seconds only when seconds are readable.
10.53
